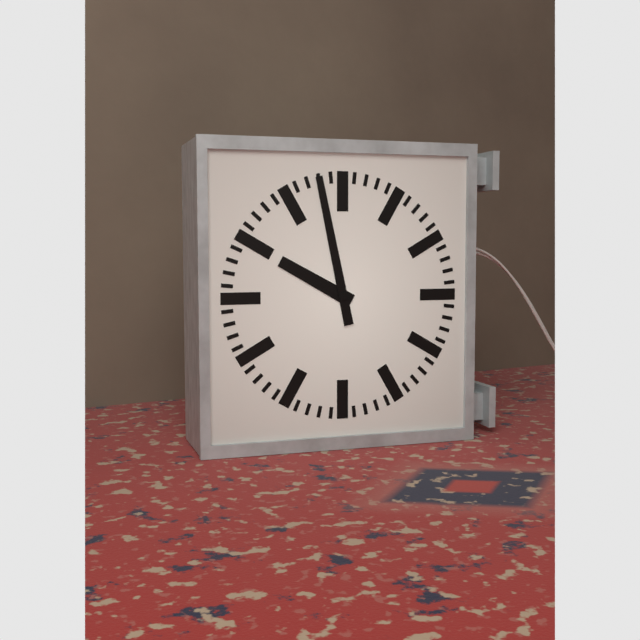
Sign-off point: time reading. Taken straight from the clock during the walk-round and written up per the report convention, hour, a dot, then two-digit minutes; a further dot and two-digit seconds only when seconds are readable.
9.58
